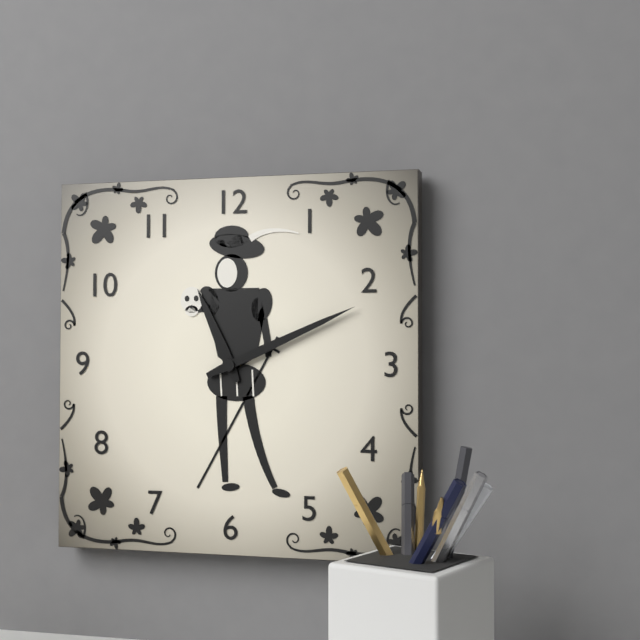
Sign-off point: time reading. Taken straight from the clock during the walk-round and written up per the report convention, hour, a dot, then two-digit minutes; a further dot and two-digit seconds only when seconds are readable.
11.11
